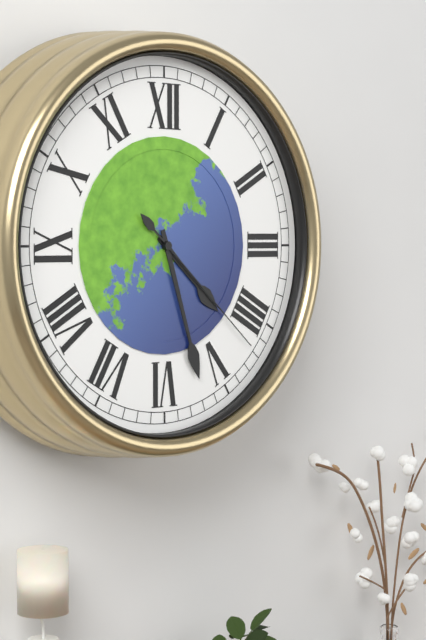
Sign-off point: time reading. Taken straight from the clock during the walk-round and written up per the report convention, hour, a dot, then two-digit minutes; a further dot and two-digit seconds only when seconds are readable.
4.27.22
